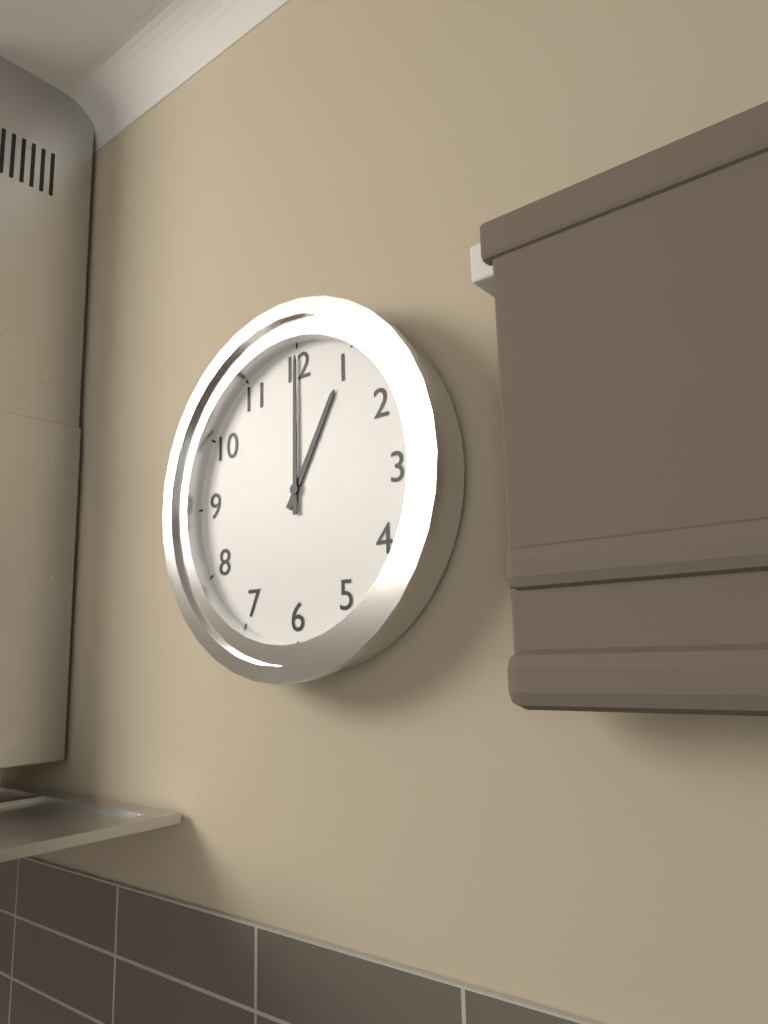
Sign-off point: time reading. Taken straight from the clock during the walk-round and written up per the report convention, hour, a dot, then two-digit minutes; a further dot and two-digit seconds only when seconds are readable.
1.00
